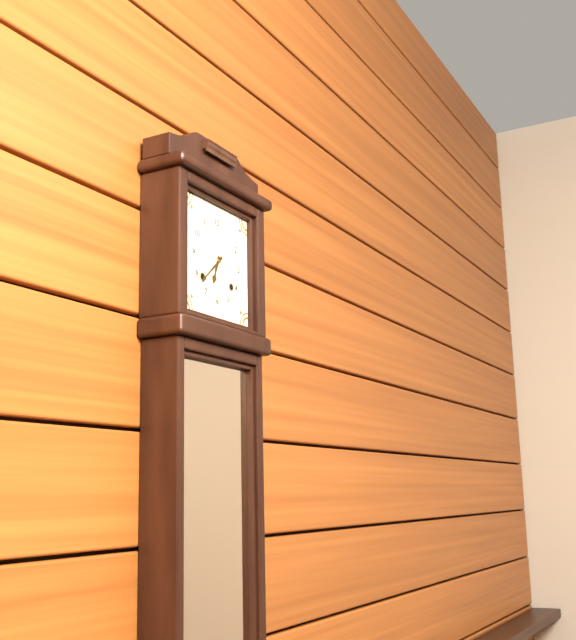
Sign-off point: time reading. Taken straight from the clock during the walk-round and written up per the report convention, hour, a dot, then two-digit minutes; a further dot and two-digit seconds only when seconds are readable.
6.38
